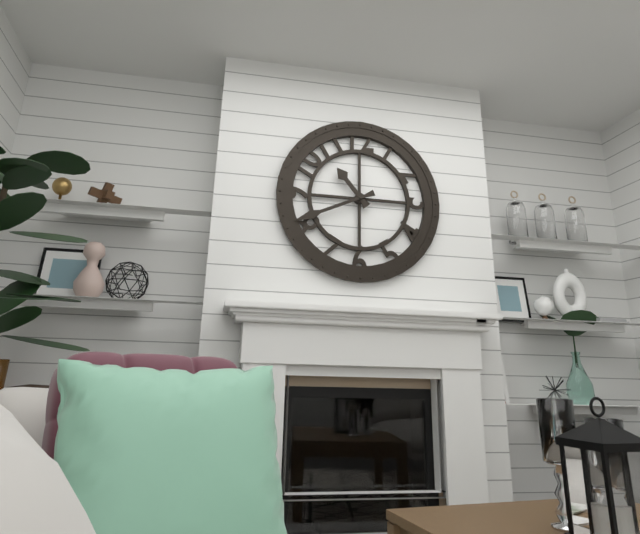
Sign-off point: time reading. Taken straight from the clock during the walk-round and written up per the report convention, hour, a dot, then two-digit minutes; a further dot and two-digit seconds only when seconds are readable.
10.41
